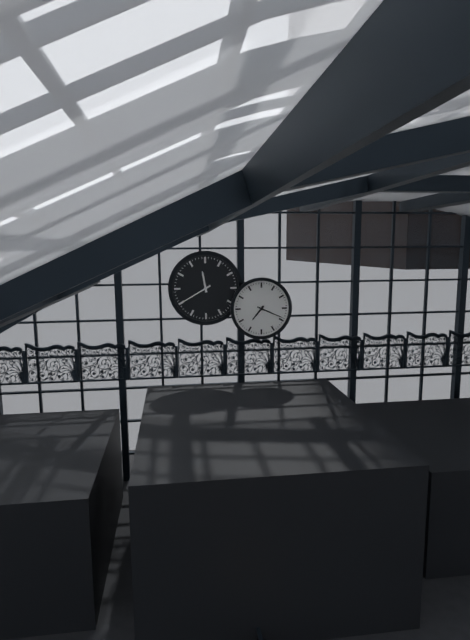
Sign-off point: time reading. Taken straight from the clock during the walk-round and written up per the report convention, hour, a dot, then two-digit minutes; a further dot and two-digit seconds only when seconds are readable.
7.19
